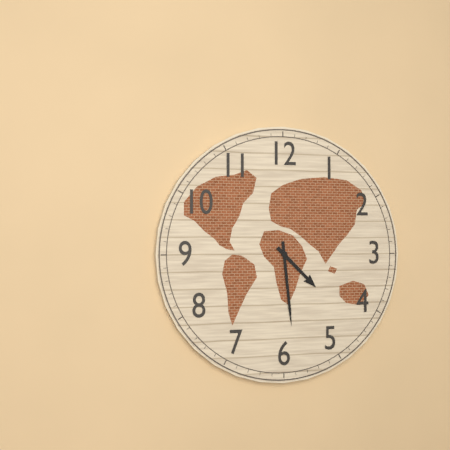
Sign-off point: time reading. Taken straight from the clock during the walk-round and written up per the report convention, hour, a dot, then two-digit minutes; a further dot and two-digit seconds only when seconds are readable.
4.29
